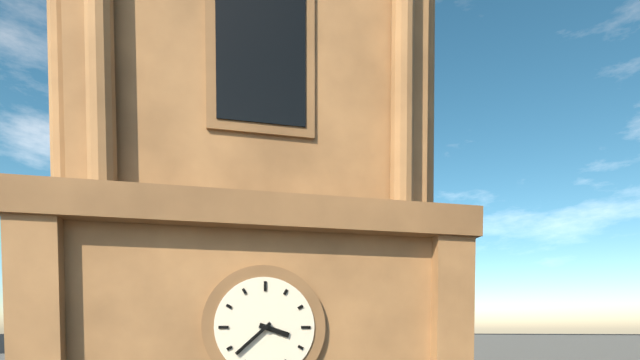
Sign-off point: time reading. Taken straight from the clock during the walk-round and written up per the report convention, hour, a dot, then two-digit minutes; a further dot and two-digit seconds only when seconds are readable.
3.38
